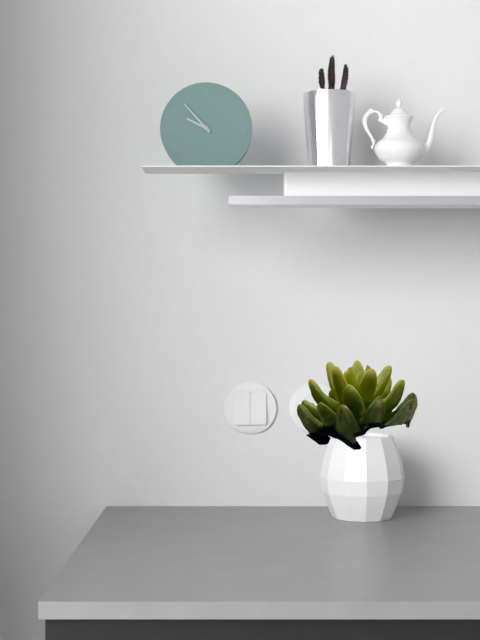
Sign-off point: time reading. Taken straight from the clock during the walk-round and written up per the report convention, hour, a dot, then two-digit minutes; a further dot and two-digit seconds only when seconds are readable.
9.53
